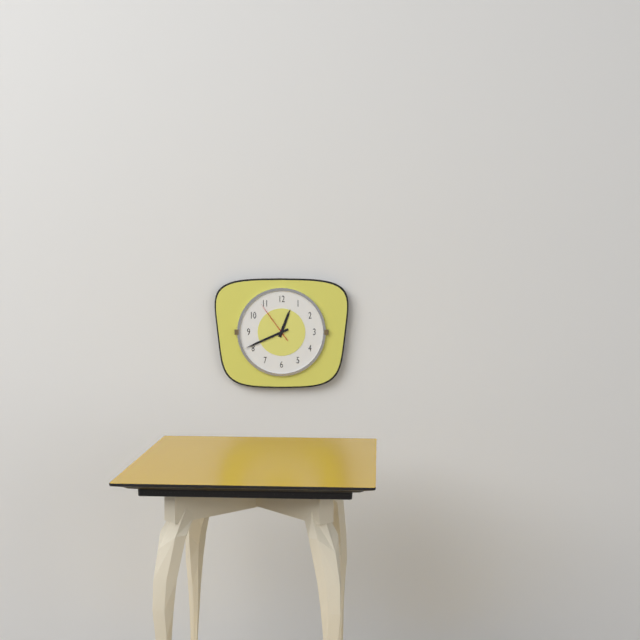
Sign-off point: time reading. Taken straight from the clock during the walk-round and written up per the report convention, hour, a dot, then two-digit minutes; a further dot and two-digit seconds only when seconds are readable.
12.41
